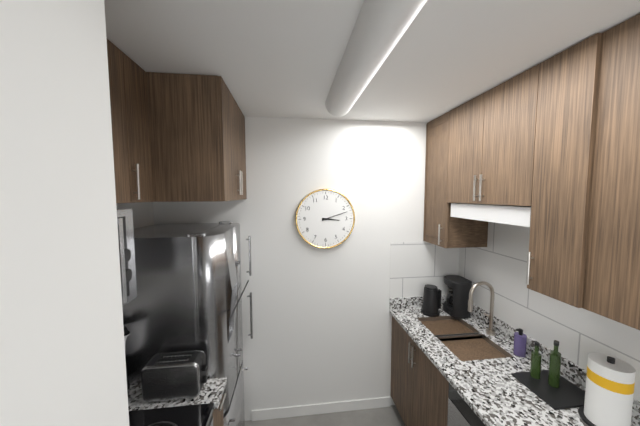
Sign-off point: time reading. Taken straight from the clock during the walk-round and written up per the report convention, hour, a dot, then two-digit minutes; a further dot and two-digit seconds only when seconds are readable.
3.12
